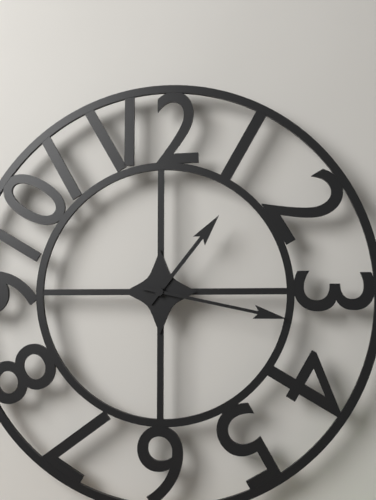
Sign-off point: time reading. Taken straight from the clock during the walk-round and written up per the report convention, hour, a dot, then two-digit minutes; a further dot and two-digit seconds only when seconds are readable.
1.17
